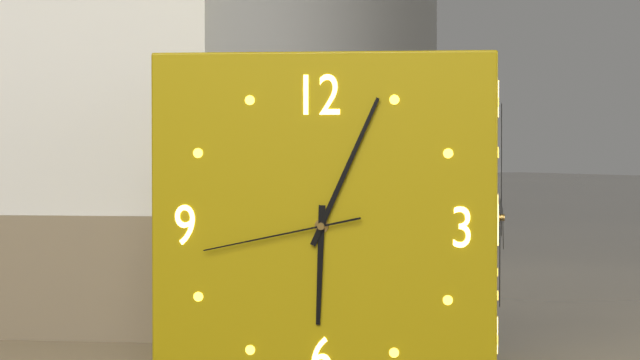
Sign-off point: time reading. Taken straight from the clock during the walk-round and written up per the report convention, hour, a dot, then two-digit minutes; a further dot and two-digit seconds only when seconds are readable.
6.04.43
